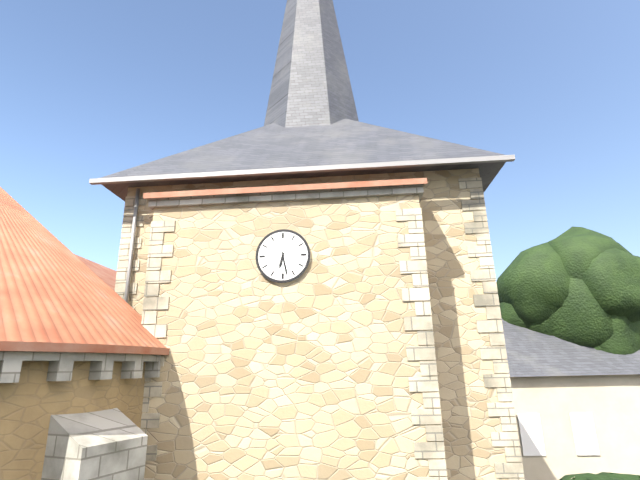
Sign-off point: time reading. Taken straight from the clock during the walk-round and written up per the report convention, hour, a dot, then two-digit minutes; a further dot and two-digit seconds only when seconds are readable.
6.28
